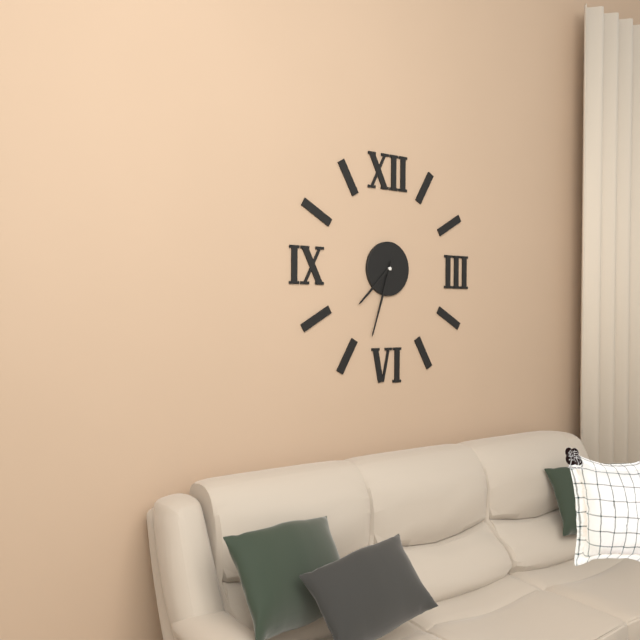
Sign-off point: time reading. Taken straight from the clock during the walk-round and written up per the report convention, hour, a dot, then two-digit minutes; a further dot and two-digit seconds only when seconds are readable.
7.33
